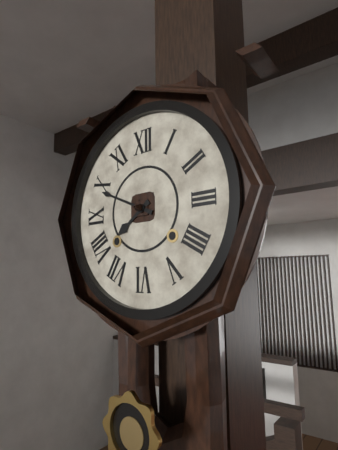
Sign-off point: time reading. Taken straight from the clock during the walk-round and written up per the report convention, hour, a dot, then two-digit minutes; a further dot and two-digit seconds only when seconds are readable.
7.49
